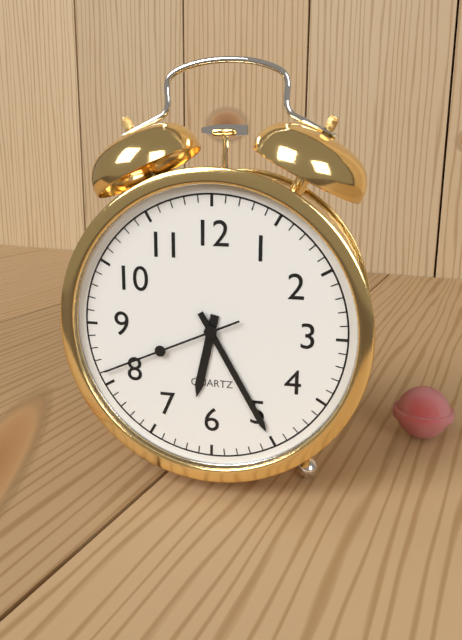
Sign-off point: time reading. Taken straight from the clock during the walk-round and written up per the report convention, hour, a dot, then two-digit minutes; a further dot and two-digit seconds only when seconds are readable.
6.25.41
